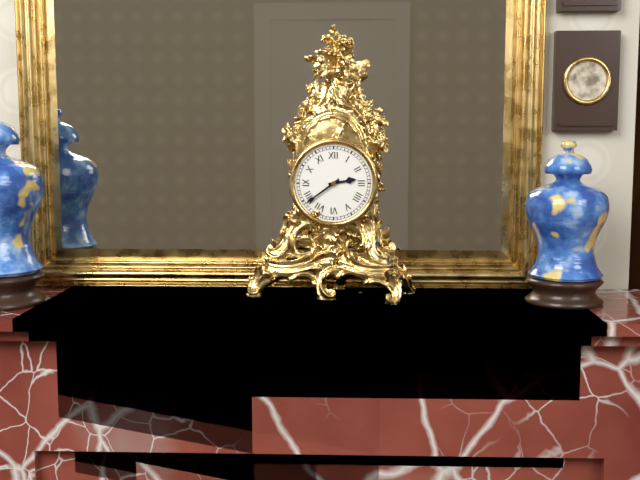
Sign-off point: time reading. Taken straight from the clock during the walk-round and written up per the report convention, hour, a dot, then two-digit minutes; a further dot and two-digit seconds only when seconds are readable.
2.39
